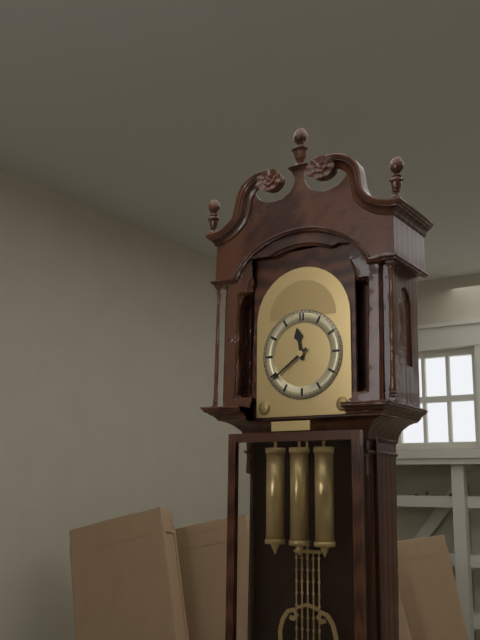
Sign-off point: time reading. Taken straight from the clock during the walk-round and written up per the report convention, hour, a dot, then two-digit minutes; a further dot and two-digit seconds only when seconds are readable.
11.39
